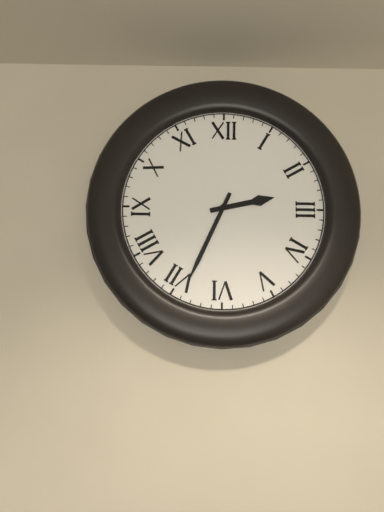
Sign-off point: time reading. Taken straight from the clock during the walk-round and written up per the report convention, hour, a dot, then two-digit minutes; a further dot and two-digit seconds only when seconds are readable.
2.34
